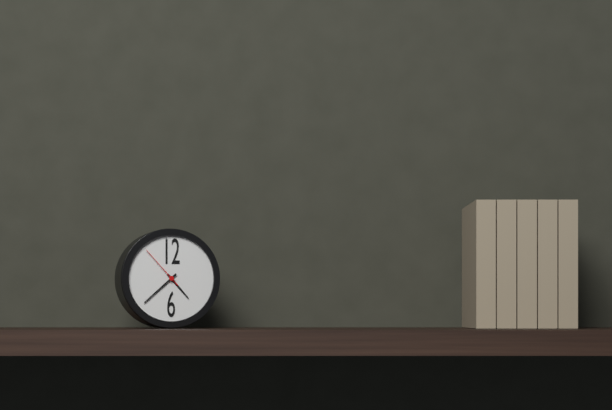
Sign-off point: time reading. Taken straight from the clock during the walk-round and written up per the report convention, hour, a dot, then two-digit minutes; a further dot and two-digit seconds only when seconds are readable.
4.38
